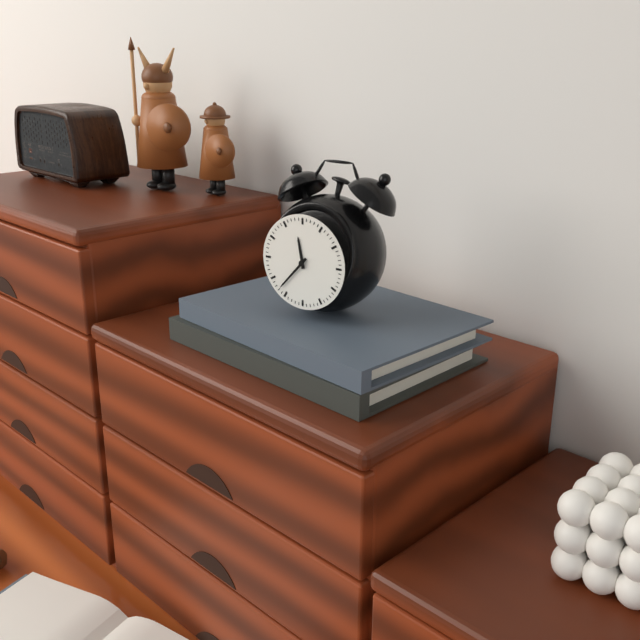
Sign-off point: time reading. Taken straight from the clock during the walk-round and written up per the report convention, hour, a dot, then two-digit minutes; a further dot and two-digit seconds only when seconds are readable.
11.37
